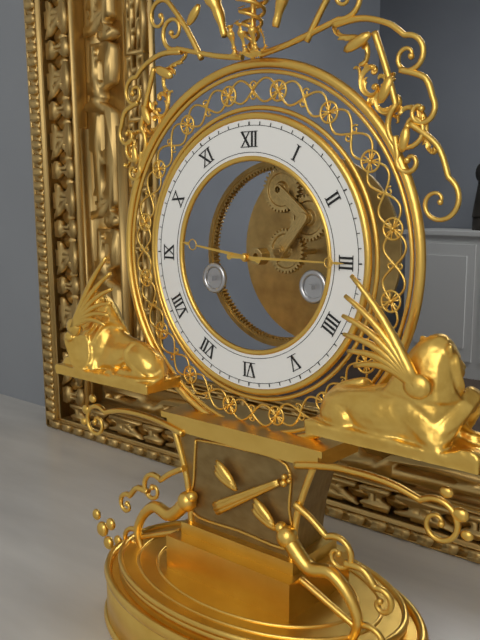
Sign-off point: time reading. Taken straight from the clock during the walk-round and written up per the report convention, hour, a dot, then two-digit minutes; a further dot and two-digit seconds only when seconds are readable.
9.15
